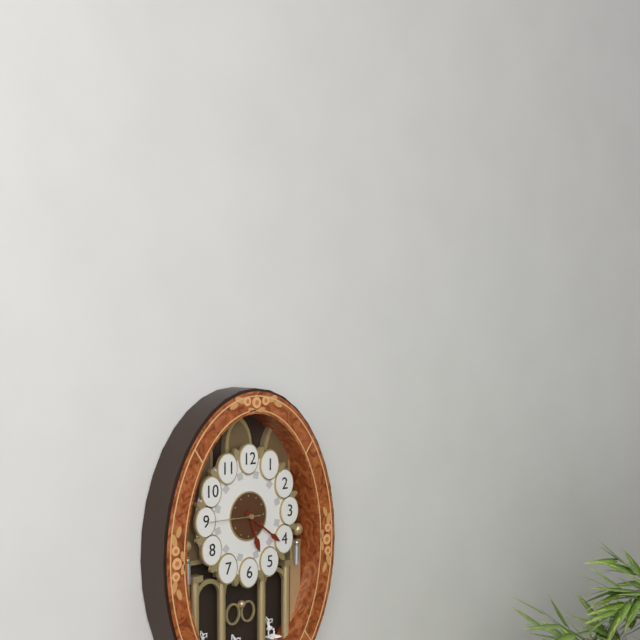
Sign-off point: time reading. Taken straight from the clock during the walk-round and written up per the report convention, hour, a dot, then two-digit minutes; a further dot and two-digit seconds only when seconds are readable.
5.21.45
